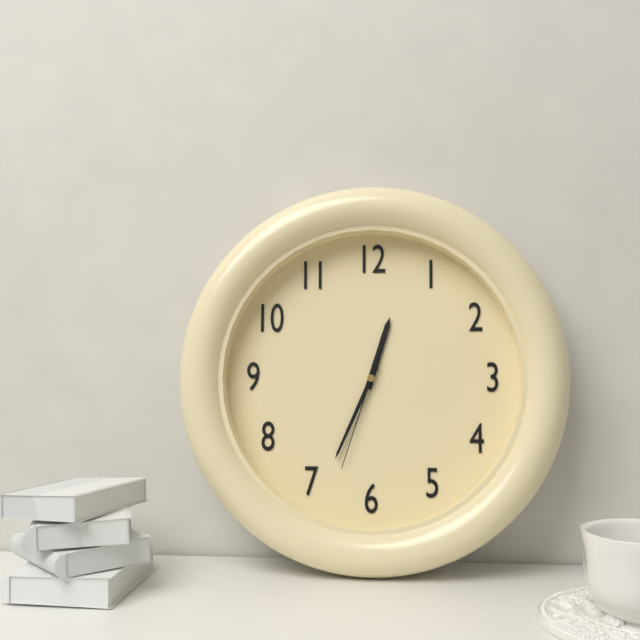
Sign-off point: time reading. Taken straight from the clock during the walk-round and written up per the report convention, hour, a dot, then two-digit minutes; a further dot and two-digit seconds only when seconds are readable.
12.34.33
